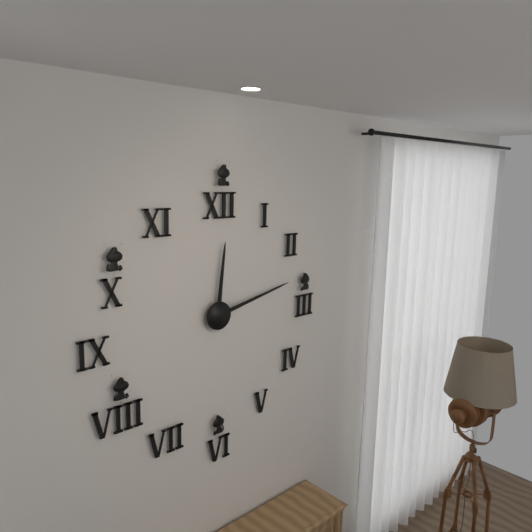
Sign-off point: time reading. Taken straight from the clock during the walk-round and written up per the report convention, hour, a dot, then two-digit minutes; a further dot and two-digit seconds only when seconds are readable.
12.13
